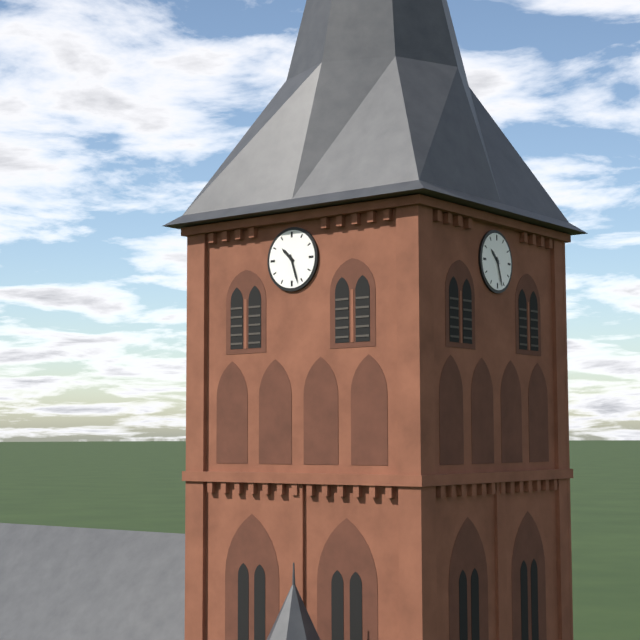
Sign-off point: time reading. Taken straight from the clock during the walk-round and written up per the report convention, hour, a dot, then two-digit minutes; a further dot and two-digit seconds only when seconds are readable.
10.27
